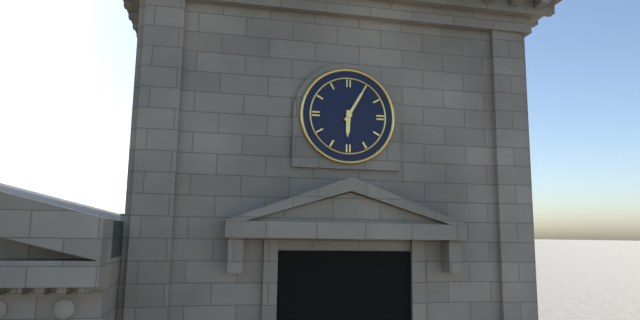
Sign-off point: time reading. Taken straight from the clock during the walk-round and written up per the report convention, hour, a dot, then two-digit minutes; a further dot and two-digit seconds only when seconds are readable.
6.05
